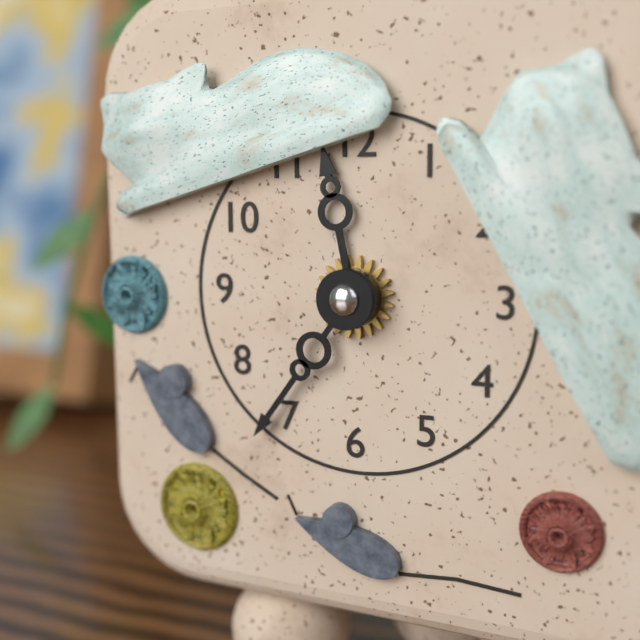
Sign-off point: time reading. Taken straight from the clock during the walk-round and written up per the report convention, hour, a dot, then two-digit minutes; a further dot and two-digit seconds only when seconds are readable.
11.36
